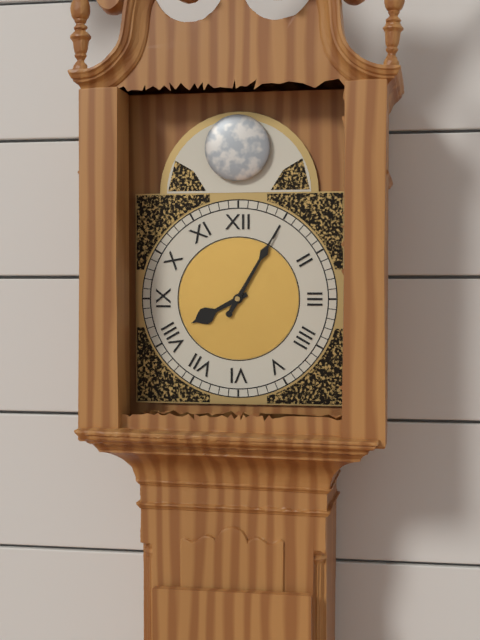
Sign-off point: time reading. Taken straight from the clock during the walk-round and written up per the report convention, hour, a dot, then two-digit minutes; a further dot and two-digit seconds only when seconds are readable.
8.05
